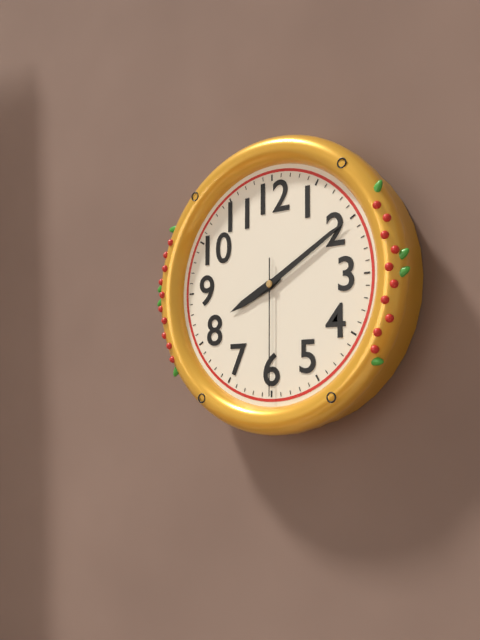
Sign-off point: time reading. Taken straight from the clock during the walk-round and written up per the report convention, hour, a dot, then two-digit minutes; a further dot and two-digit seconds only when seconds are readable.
8.10.30
